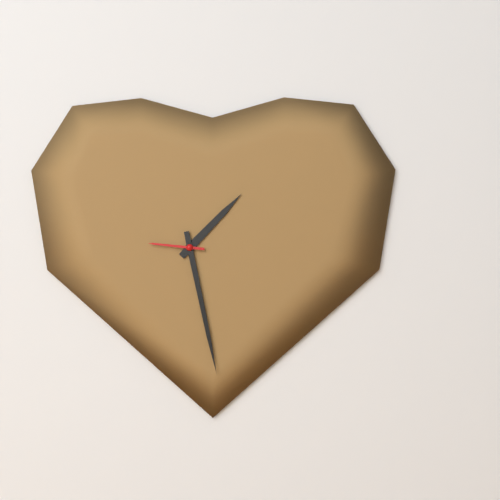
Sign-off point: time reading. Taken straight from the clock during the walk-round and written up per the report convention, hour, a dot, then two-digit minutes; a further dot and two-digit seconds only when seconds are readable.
1.28.46
